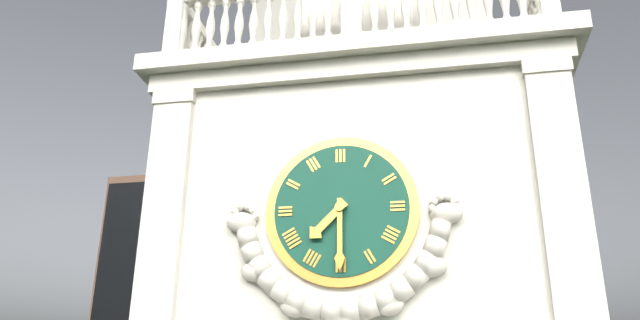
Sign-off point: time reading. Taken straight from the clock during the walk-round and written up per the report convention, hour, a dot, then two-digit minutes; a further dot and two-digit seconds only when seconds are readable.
7.30
